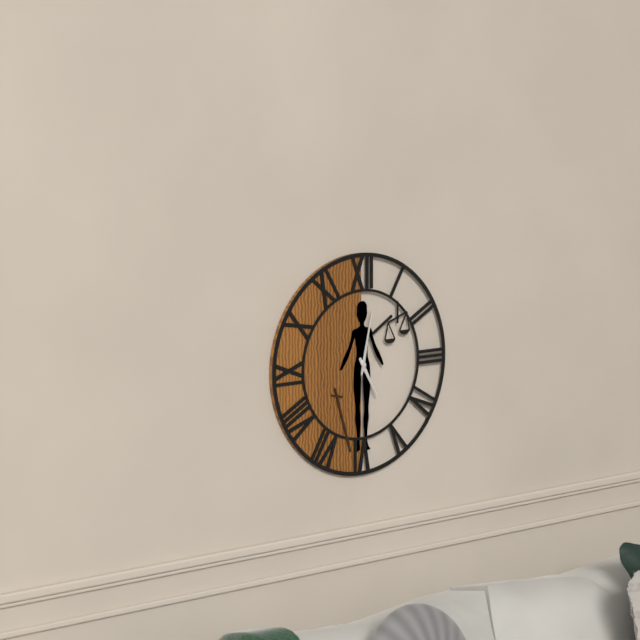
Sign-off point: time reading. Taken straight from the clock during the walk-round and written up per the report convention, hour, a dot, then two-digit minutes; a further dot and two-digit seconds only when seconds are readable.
5.02
